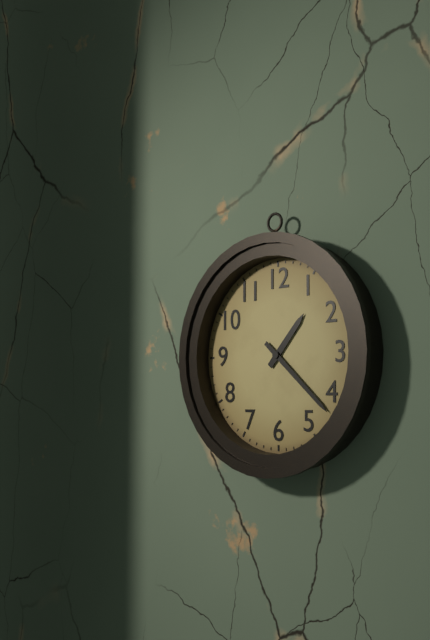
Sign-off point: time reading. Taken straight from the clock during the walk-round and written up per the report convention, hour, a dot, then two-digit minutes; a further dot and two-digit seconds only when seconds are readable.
1.22
